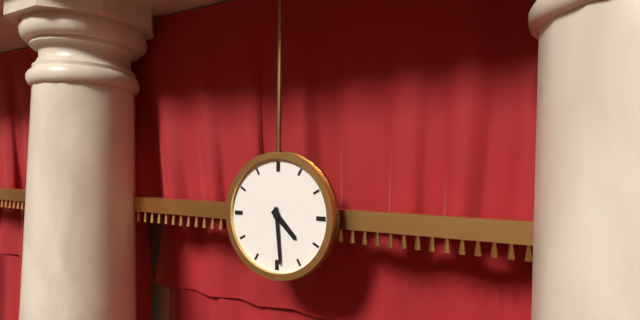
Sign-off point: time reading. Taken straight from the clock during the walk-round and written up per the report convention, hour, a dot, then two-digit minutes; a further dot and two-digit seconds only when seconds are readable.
4.29
